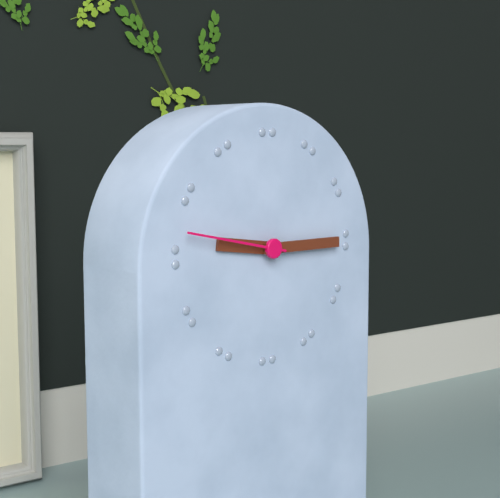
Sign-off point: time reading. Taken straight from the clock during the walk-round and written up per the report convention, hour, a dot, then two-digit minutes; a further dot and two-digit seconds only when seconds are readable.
9.15.47
